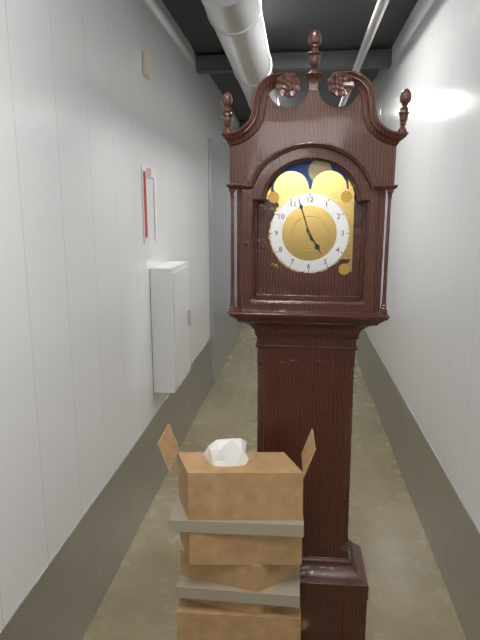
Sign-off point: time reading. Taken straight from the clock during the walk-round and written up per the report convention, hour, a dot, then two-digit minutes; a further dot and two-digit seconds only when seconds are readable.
4.57
